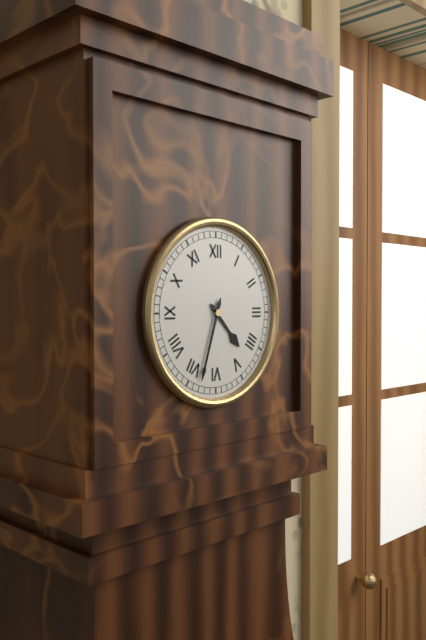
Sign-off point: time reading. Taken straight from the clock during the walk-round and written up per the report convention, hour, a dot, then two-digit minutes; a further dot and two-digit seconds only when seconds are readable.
4.33
